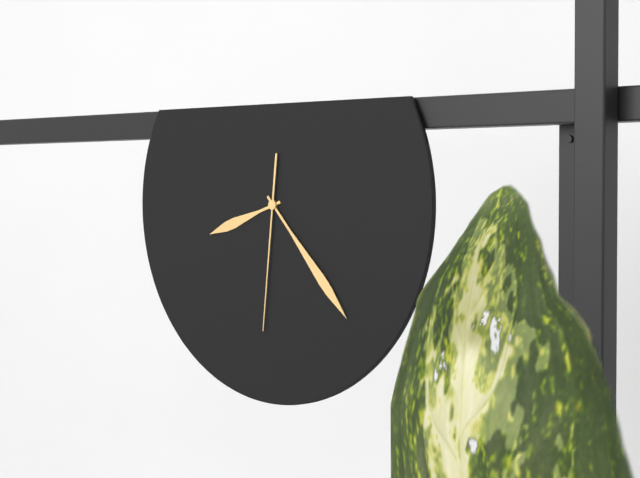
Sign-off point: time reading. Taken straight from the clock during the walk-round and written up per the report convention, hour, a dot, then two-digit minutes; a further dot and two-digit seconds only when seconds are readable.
8.23.31
